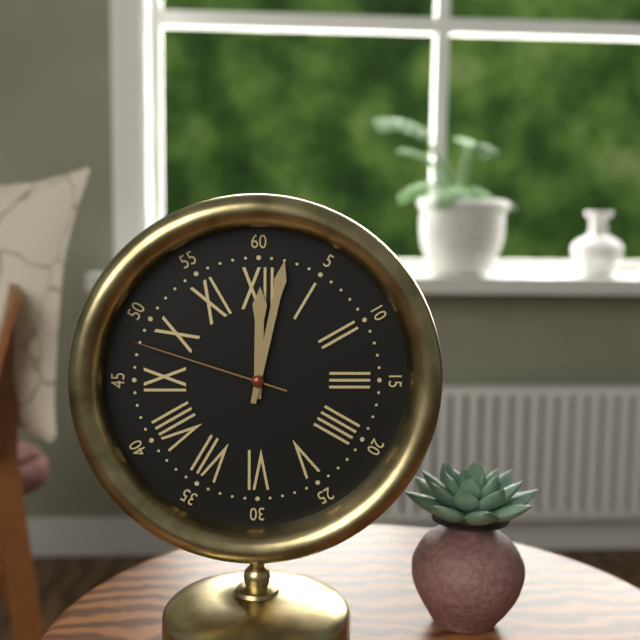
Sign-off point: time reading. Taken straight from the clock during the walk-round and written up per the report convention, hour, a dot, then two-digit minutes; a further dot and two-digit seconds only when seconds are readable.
12.02.48
